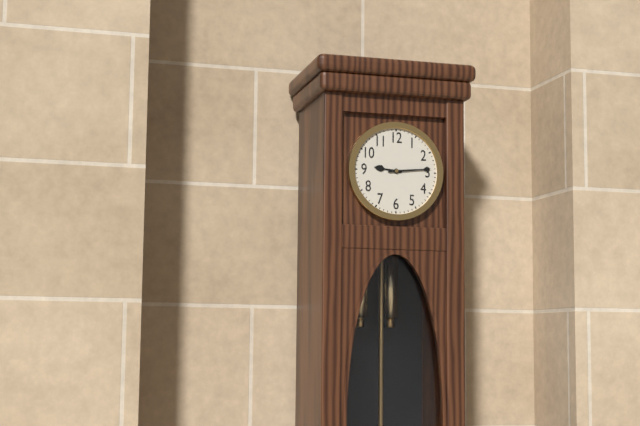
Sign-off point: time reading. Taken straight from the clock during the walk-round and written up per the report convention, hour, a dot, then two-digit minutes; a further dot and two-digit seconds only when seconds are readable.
9.14
